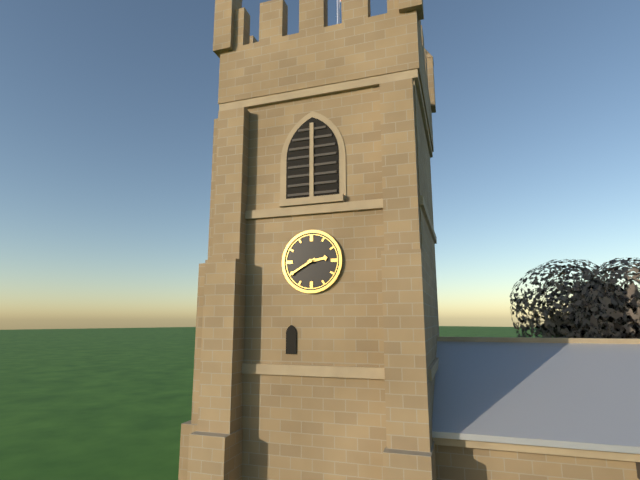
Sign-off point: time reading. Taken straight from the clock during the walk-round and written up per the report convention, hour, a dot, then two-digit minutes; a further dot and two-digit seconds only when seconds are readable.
2.40
